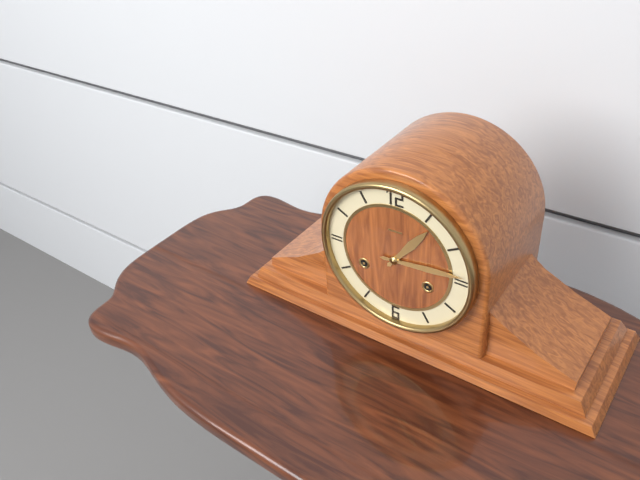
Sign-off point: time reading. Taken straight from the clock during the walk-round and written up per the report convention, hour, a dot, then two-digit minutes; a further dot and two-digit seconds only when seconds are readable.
1.14
